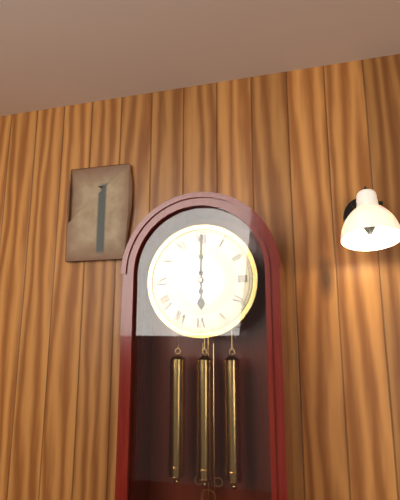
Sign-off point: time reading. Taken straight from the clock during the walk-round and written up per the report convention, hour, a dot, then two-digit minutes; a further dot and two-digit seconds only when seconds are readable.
6.00
